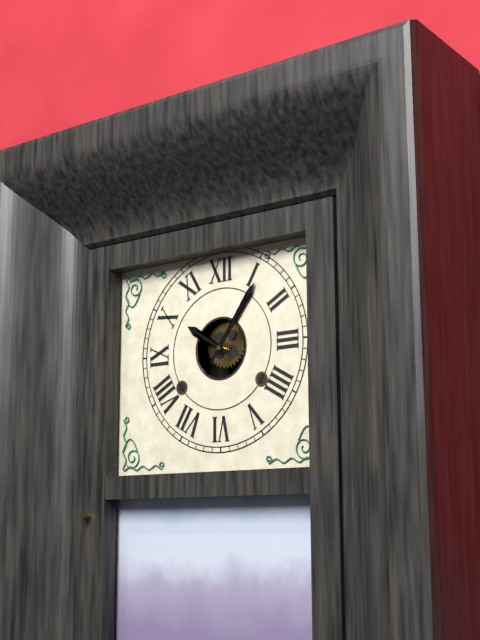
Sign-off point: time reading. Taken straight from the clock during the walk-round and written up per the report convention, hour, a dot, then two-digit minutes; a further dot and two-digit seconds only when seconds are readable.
10.06
